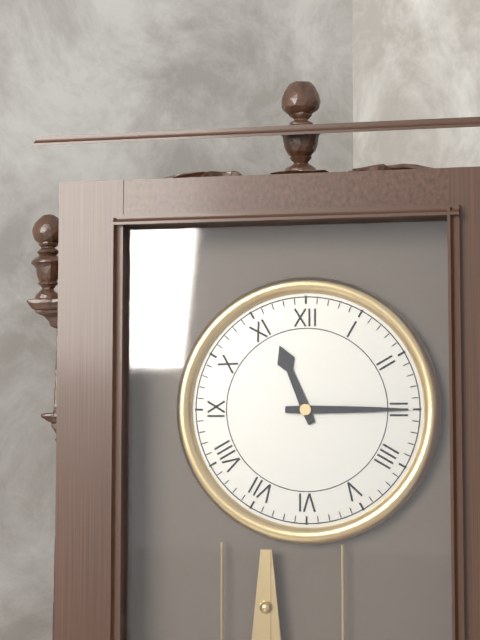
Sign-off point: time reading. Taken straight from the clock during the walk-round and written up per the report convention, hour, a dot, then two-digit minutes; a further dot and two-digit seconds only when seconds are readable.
11.15
